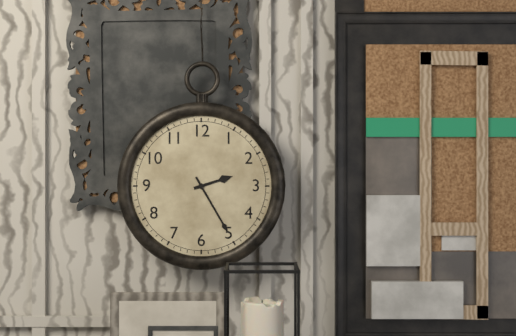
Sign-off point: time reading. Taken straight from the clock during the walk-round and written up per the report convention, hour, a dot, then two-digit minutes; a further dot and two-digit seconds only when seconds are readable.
2.25
